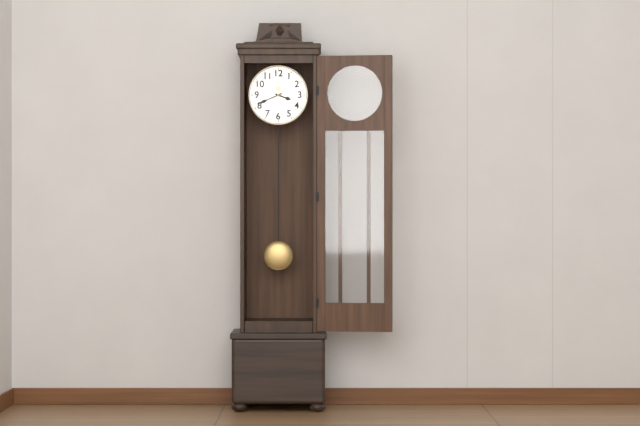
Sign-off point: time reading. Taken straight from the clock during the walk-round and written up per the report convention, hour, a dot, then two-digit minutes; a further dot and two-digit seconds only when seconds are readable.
3.41
